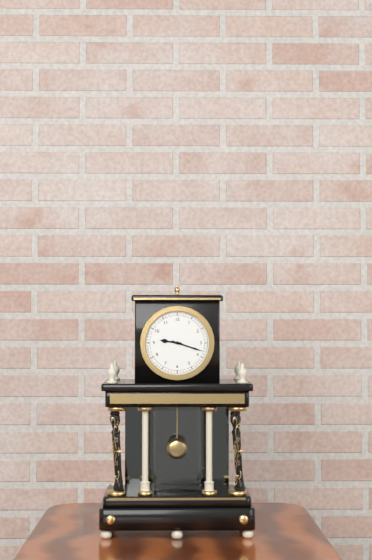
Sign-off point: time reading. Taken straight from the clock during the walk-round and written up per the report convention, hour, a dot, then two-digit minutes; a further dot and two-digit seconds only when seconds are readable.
9.18
